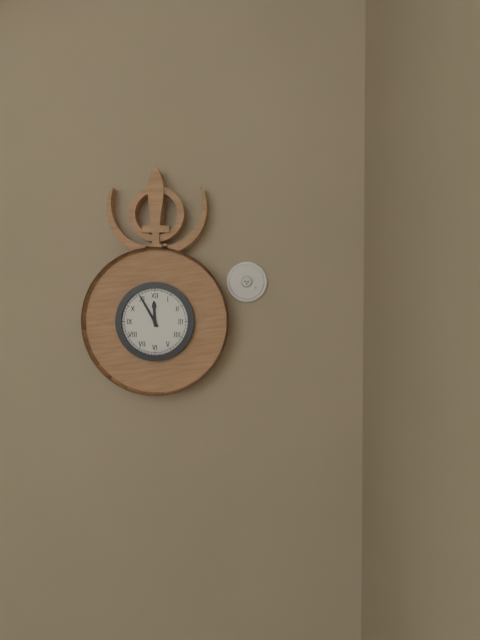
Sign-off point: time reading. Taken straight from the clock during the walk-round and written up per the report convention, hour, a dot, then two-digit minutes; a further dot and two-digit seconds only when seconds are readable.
11.55
